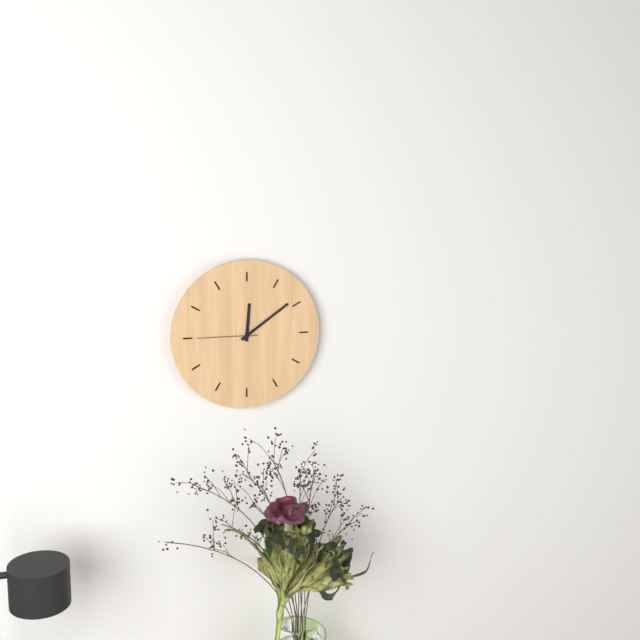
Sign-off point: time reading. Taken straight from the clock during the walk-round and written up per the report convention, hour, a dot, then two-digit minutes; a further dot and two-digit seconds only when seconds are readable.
12.09.45
